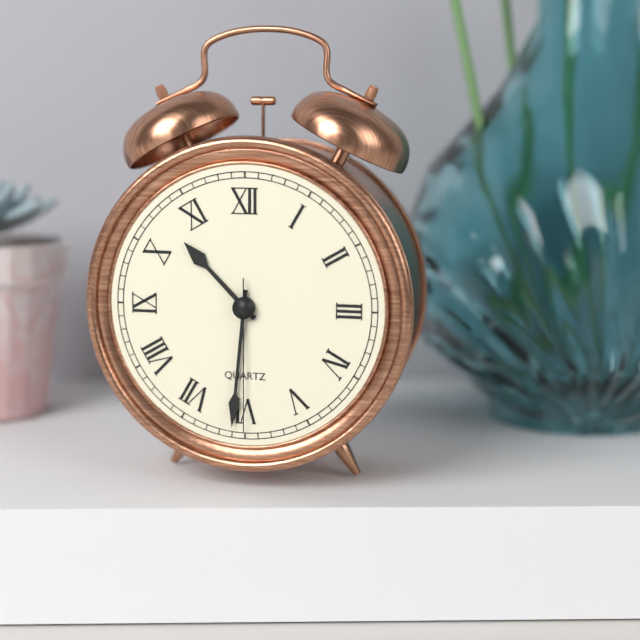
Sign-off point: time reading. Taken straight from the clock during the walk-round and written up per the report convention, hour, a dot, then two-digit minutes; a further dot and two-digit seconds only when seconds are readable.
10.31.30
